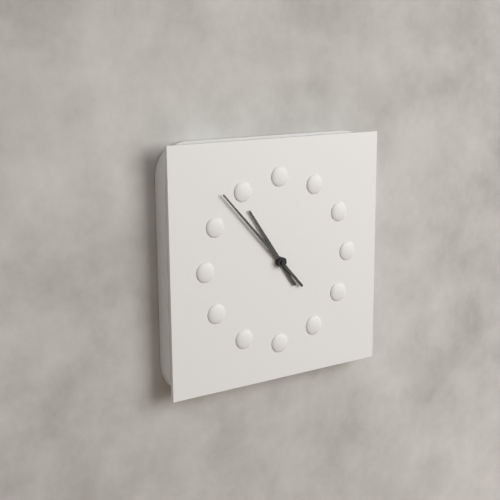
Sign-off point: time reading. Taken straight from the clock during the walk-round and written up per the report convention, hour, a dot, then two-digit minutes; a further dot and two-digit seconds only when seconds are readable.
10.53
